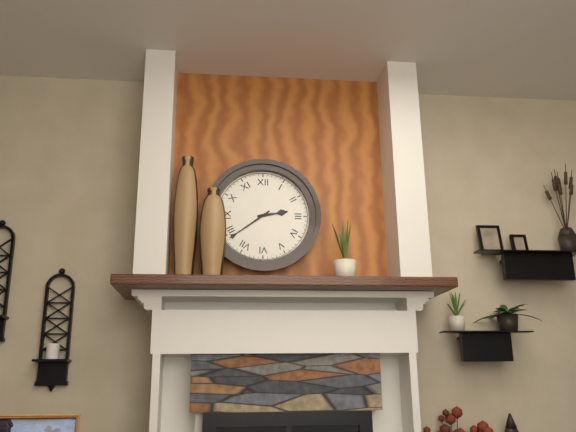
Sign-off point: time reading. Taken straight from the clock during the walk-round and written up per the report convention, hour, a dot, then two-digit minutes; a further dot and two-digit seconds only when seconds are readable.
2.39
